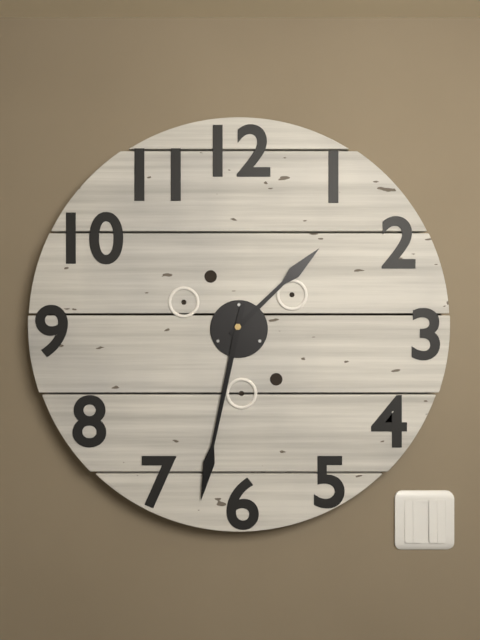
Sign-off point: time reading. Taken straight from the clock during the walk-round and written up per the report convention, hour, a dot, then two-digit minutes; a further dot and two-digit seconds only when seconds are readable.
1.32
